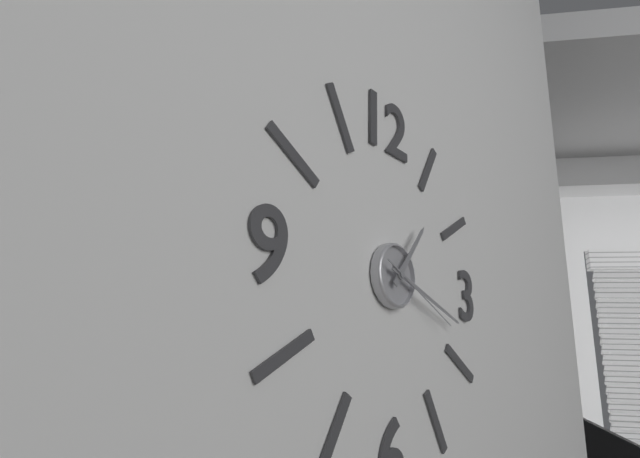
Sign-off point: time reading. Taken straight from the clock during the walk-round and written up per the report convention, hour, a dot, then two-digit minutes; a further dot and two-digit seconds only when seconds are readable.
1.18.19
